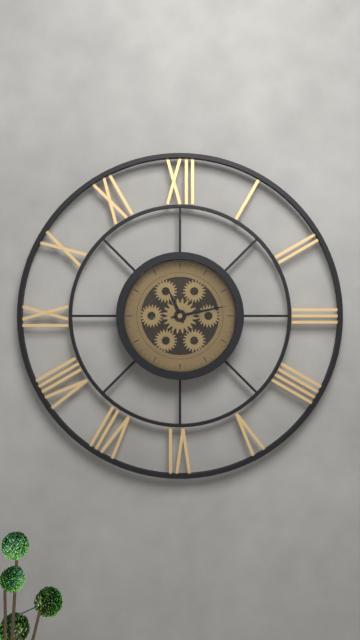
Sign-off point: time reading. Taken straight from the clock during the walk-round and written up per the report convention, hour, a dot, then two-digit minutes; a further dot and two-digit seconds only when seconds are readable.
11.13
